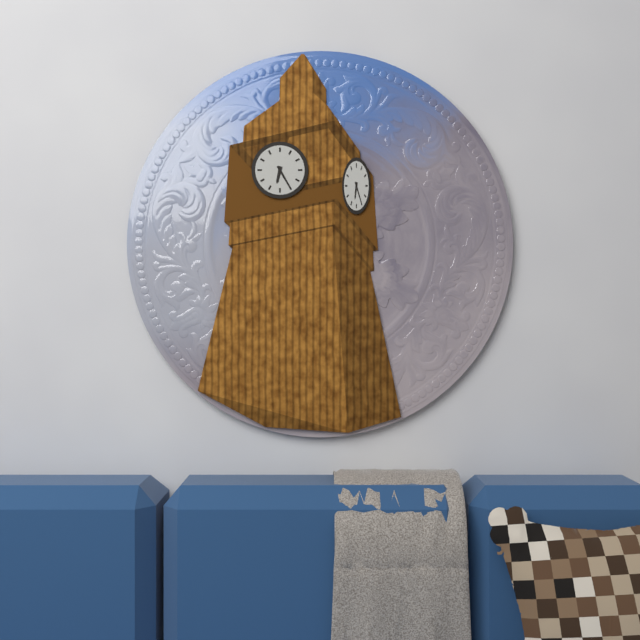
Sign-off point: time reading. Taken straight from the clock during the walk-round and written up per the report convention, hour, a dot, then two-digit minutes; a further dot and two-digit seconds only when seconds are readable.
6.25
